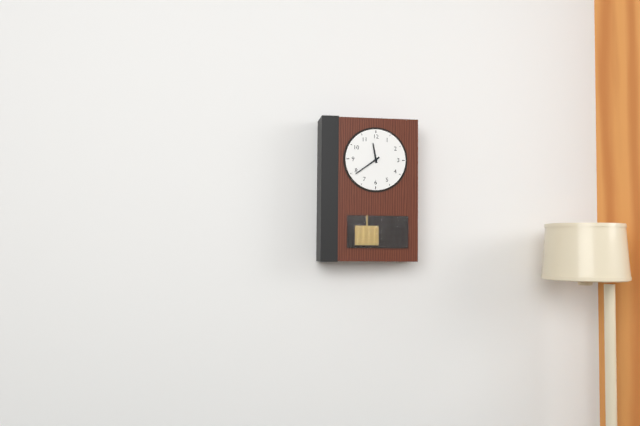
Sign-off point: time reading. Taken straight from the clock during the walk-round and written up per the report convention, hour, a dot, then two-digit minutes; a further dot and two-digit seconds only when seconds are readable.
11.39
